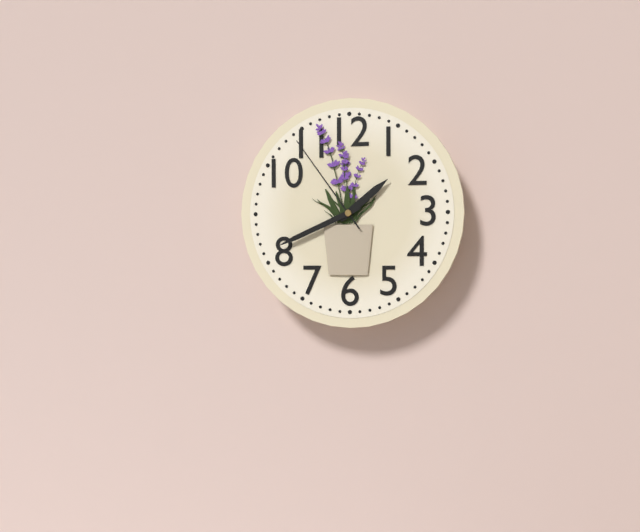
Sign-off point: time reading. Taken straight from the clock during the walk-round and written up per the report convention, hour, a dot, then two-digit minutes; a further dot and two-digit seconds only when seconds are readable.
1.41.54
